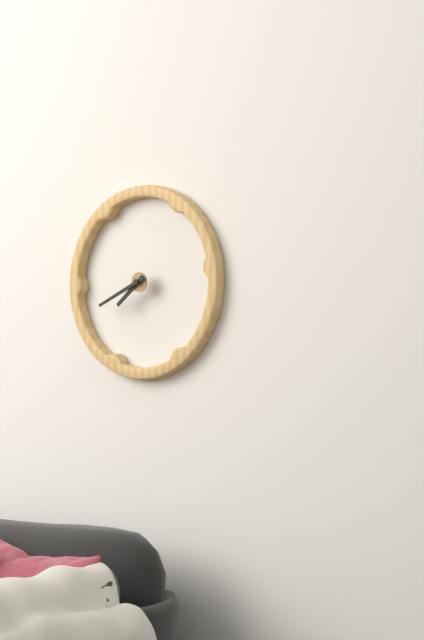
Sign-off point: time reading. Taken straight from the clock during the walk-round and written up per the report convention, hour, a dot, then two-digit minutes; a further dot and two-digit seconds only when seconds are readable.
7.41
